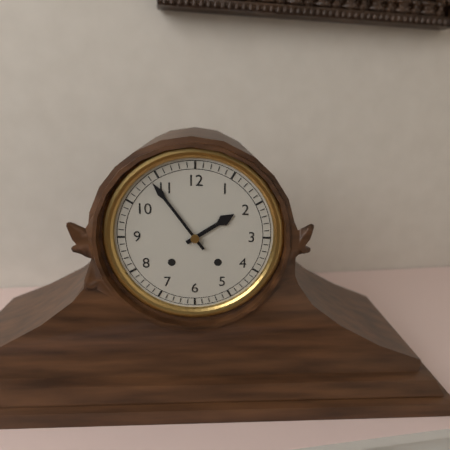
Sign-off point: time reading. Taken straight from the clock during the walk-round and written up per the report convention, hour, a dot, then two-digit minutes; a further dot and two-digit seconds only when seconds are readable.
1.54
